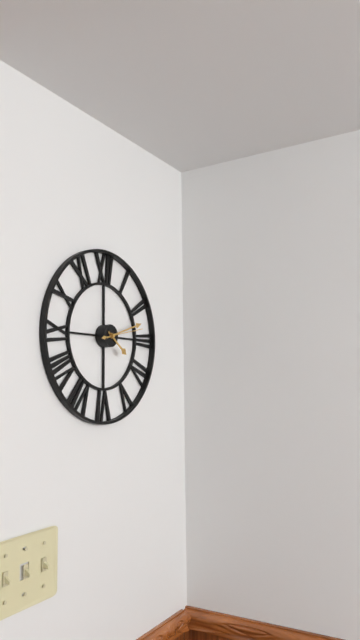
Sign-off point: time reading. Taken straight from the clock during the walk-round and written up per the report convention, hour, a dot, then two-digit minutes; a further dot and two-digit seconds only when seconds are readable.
4.12.13
